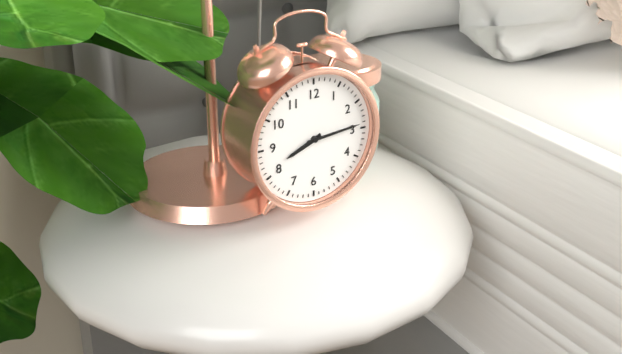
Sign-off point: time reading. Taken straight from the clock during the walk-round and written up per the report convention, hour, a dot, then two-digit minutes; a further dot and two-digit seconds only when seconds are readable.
8.14
